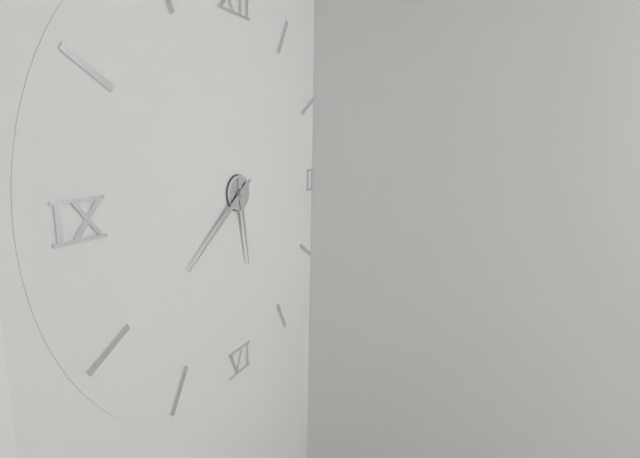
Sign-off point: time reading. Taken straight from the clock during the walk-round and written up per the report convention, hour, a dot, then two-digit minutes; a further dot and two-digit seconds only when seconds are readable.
5.39
